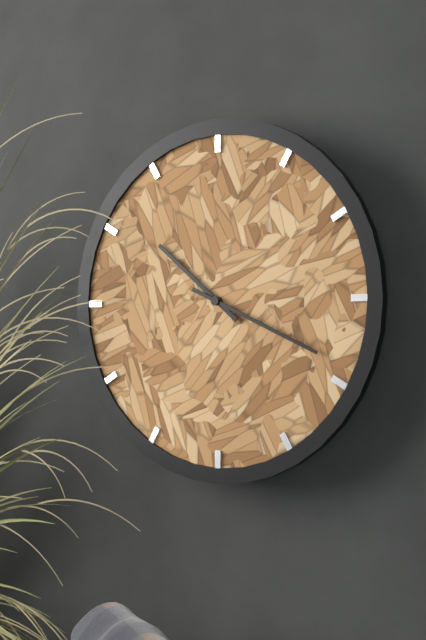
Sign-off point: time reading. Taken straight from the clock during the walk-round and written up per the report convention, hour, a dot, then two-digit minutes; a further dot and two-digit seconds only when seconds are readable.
10.19
